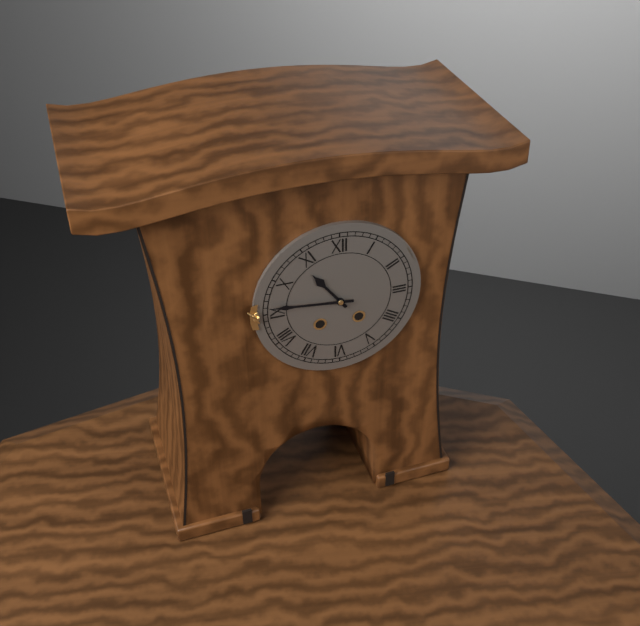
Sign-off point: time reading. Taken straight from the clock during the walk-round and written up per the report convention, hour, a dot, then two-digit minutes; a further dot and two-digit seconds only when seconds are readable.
10.46
